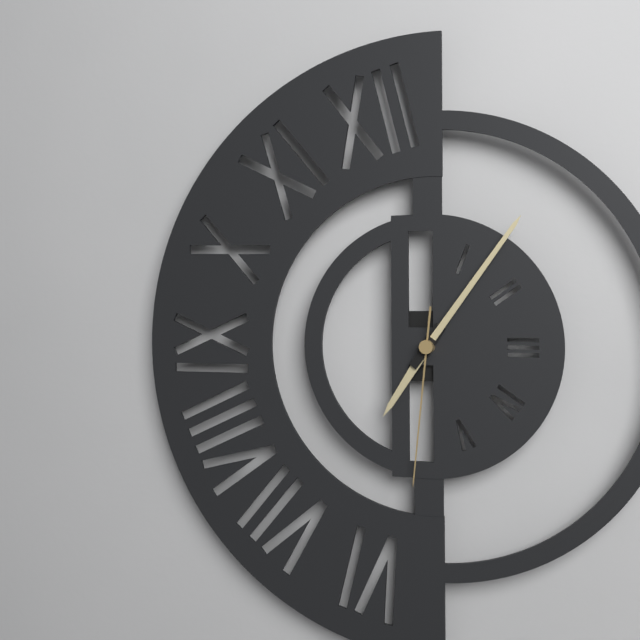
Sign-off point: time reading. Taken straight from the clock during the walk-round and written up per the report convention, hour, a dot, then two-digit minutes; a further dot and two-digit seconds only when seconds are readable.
7.06.31
